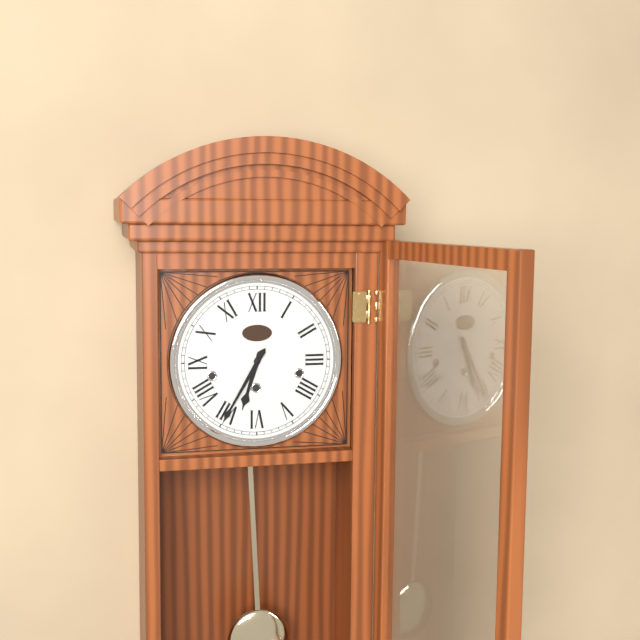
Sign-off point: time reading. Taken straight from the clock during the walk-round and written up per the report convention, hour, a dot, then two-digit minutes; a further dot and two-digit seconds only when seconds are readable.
6.35
